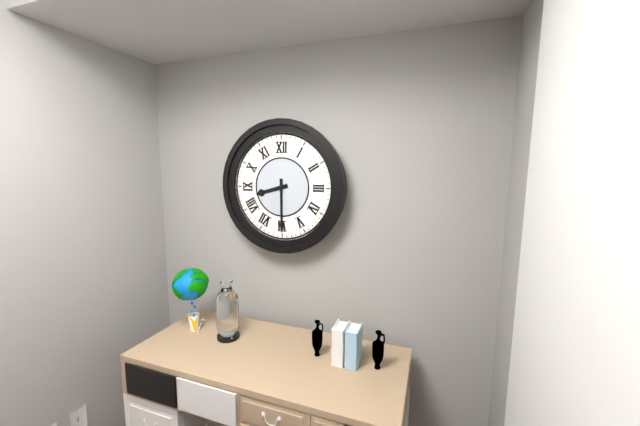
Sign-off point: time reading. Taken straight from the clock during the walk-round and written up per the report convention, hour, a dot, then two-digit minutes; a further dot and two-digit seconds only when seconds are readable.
8.30
